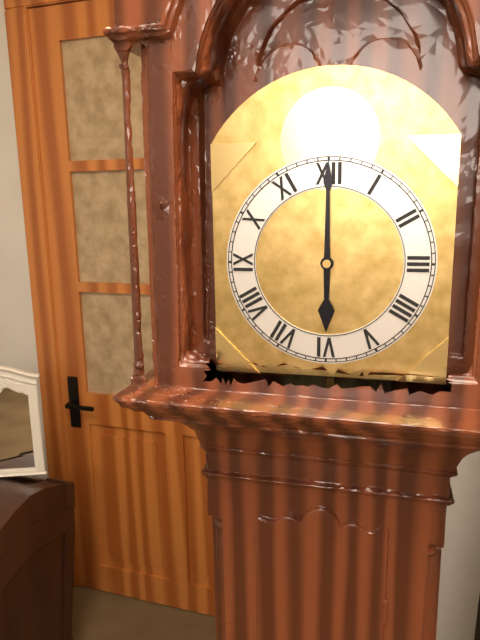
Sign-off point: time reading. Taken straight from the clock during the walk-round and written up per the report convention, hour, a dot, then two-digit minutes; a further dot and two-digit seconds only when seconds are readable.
6.00
